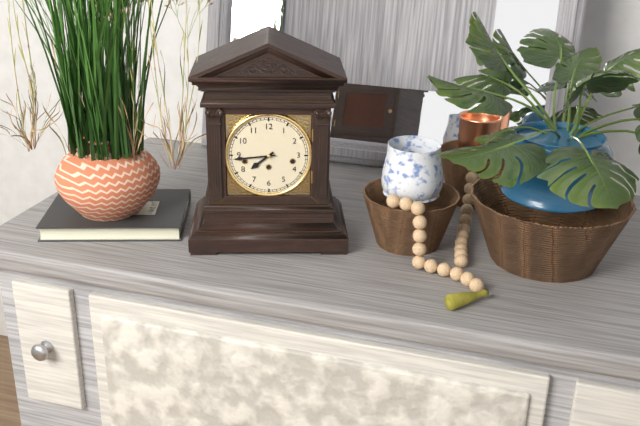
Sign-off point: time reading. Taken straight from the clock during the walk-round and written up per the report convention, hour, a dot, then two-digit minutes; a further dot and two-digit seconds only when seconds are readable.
7.44
